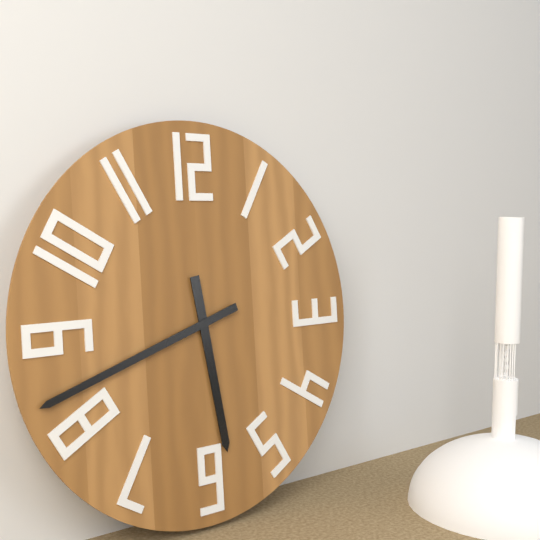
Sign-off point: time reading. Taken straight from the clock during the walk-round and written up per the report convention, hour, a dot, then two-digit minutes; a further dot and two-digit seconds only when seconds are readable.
5.42
